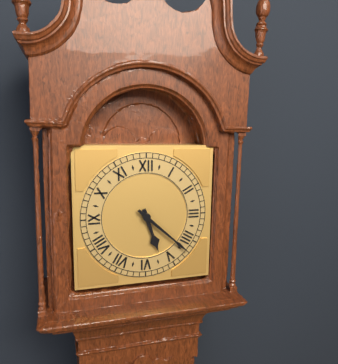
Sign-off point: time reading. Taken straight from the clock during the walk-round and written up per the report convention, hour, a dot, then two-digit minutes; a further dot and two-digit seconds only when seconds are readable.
5.22
